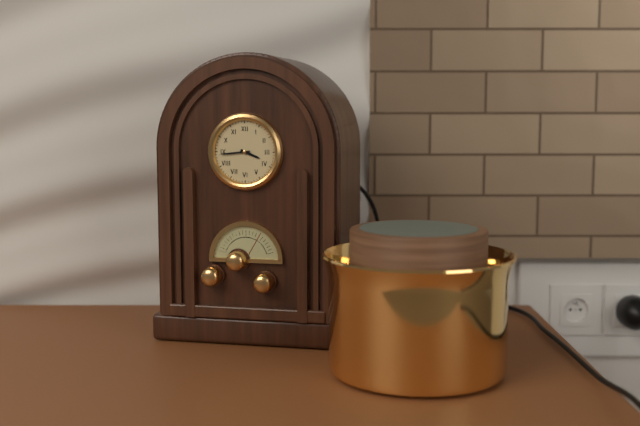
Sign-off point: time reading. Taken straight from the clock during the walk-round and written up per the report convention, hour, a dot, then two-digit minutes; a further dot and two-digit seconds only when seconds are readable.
3.44
